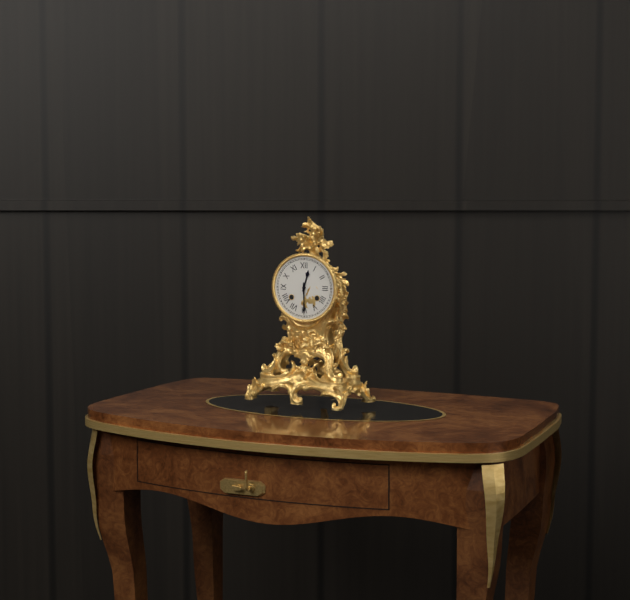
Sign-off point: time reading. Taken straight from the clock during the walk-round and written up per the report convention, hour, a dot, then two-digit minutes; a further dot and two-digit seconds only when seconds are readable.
12.30
